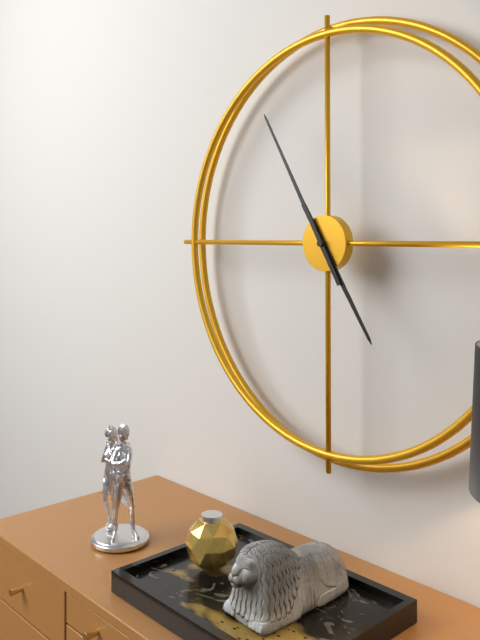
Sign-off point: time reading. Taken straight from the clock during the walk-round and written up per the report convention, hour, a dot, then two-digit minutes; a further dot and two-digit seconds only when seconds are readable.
4.55
